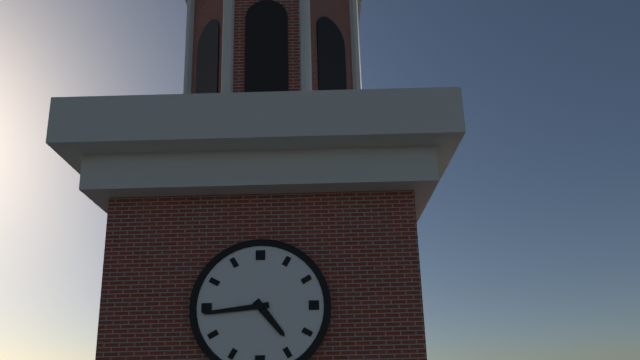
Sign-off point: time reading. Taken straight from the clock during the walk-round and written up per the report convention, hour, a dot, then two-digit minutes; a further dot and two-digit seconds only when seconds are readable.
4.44
